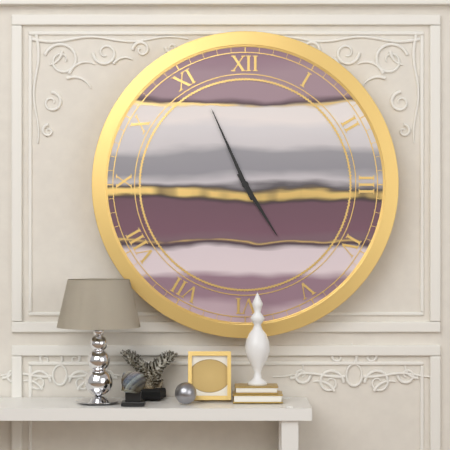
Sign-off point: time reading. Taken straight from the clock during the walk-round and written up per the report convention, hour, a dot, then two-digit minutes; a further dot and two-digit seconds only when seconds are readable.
4.56
